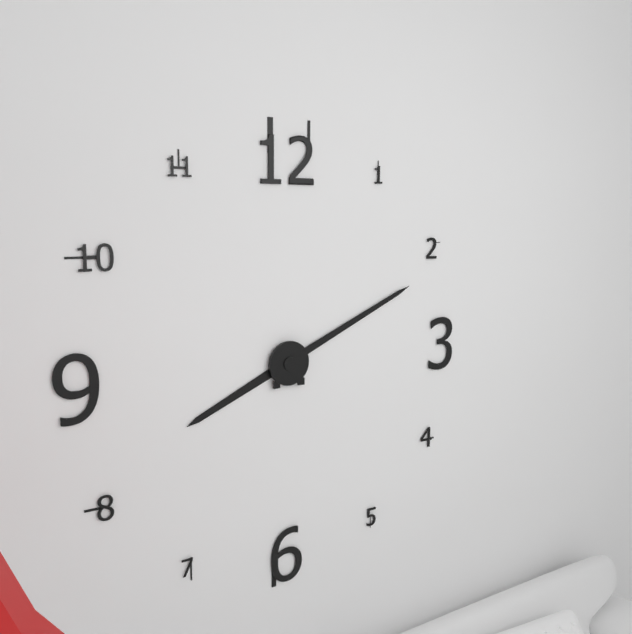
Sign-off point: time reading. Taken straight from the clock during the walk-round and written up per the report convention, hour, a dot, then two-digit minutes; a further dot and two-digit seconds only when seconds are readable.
8.11
